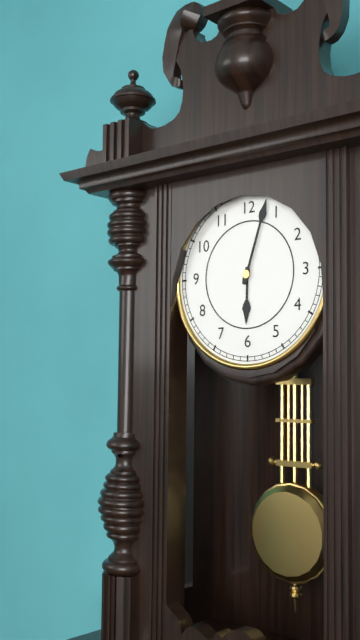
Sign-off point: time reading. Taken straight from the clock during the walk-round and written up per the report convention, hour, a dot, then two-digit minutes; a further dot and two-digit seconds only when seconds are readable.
6.03
